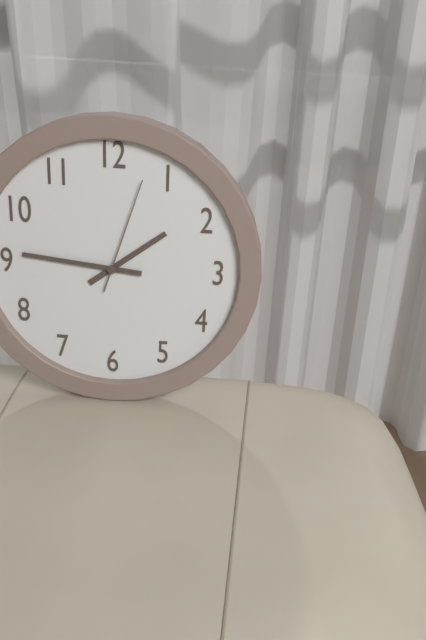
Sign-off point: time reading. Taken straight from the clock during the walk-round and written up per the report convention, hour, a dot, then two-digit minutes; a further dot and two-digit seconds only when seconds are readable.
1.46.03
